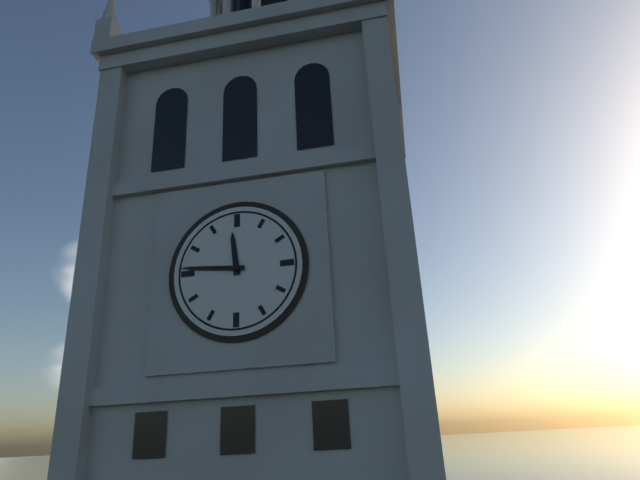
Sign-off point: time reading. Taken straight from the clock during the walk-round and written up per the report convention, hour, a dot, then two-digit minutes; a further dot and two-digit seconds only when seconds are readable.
11.46
